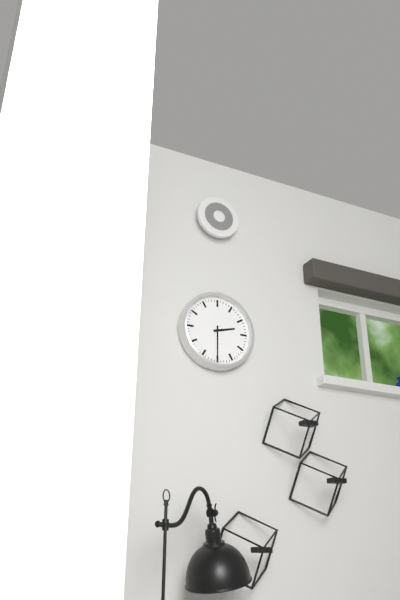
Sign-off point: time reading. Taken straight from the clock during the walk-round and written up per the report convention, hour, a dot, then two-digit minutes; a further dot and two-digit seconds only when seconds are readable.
2.30
